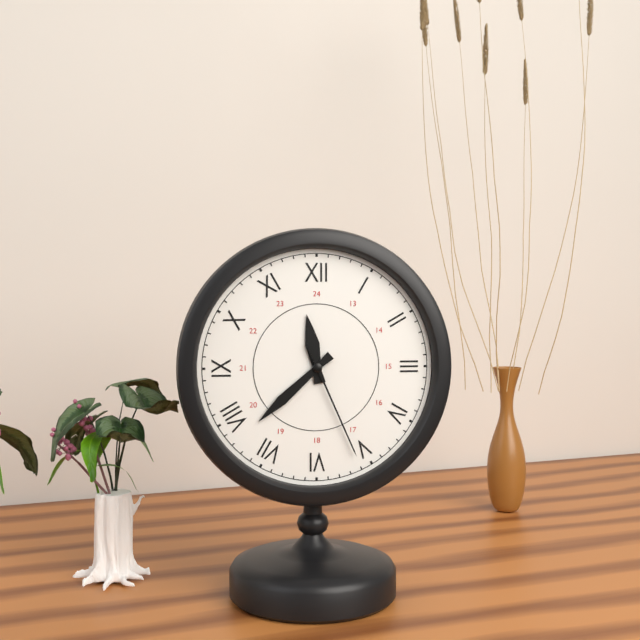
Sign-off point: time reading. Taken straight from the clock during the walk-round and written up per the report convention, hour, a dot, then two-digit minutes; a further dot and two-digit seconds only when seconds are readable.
11.38.26
